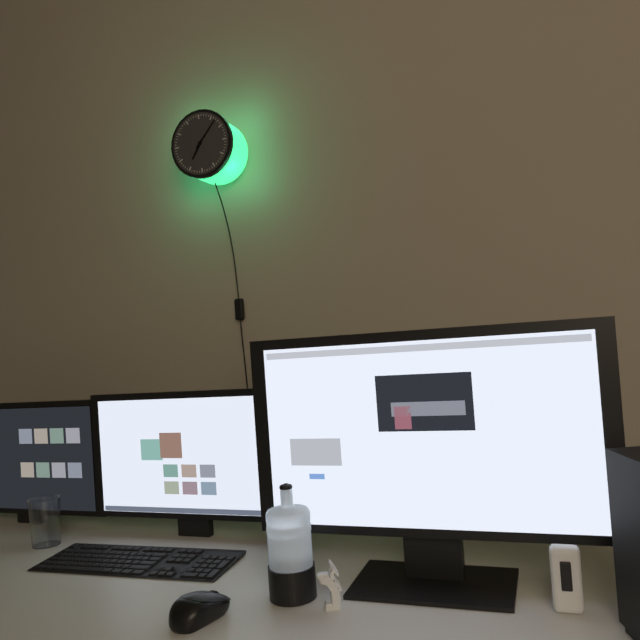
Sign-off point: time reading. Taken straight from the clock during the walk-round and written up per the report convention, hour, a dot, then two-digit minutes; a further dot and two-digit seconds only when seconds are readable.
7.07
